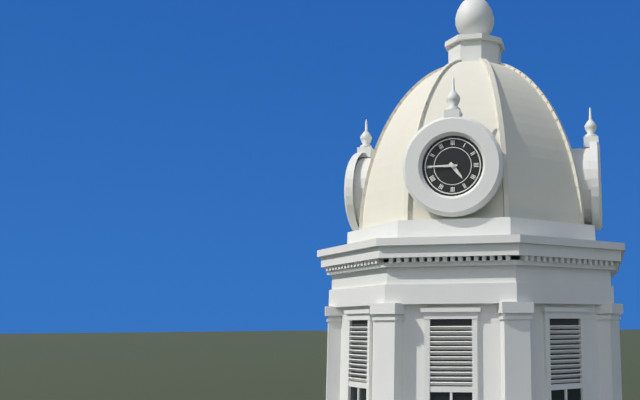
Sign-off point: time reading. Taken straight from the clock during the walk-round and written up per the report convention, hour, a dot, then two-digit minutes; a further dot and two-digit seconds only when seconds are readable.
4.45
